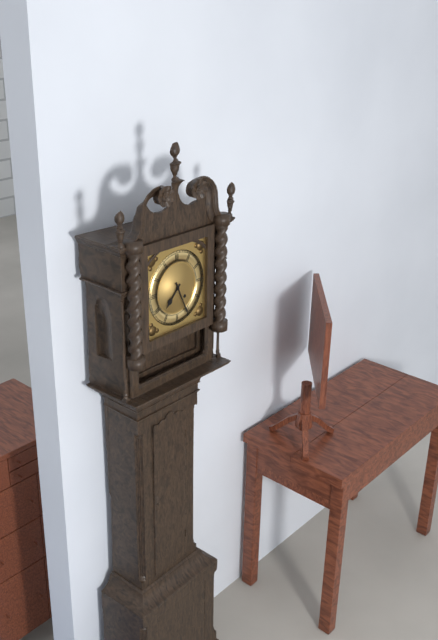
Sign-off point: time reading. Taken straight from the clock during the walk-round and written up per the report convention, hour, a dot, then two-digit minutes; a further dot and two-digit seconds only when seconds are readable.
7.26
